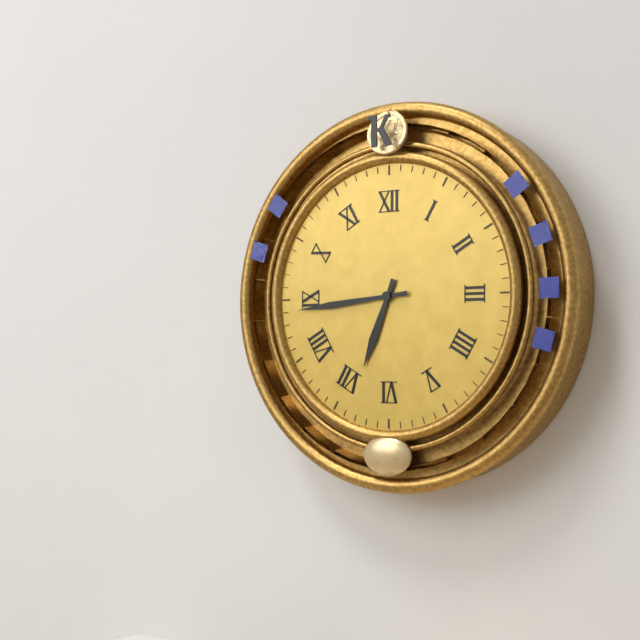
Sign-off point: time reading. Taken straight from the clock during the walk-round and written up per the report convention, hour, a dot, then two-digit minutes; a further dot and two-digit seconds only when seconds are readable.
6.44
